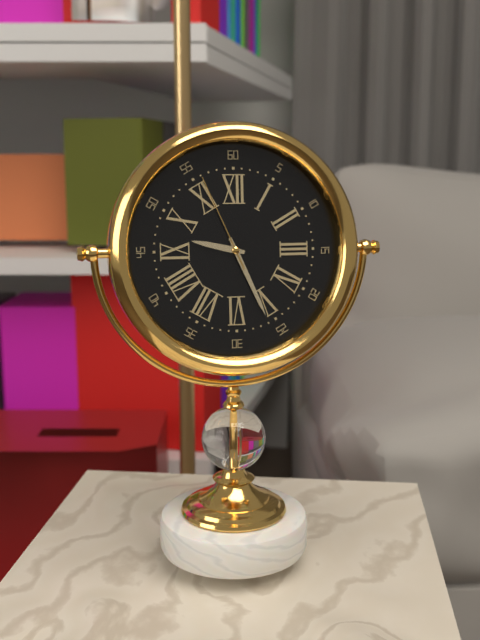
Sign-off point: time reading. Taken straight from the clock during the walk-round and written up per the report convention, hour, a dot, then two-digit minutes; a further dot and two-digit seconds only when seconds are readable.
9.26.56
